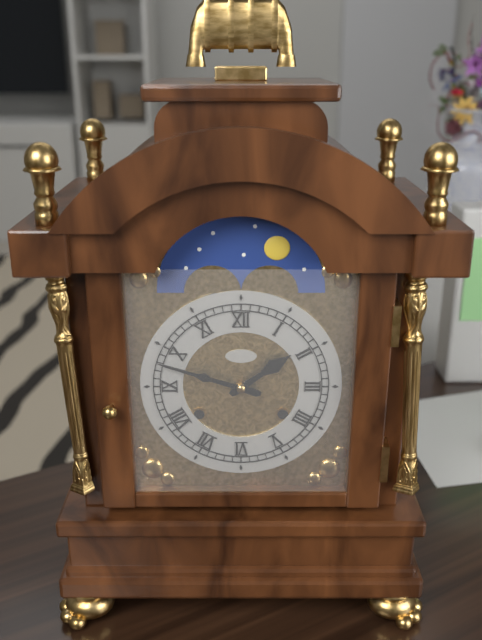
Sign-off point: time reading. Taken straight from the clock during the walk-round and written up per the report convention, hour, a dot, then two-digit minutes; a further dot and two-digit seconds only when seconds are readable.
1.48
